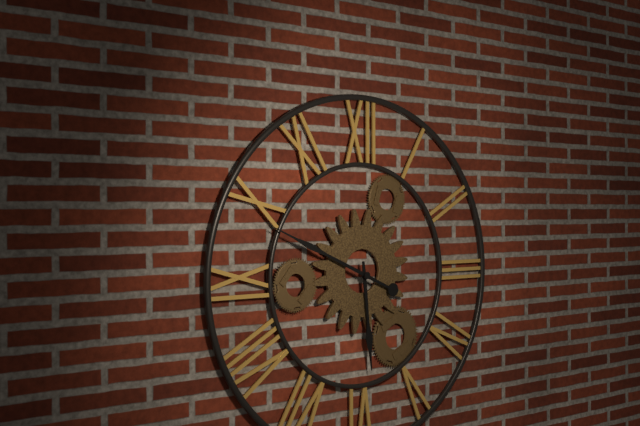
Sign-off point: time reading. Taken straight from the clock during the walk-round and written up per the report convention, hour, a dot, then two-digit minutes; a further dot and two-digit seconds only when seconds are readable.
5.49
